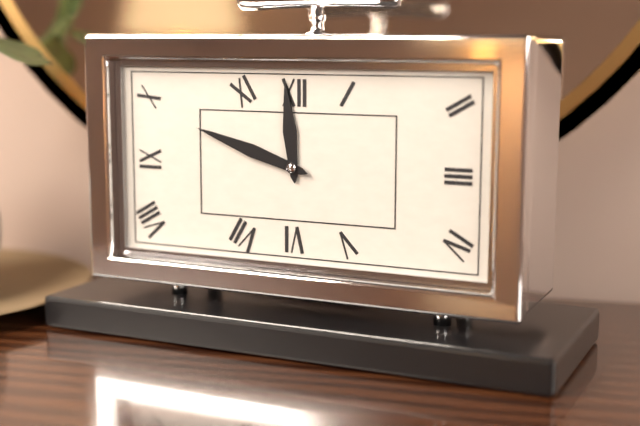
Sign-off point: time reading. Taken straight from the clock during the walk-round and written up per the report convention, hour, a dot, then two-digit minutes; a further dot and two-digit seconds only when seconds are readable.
11.48
